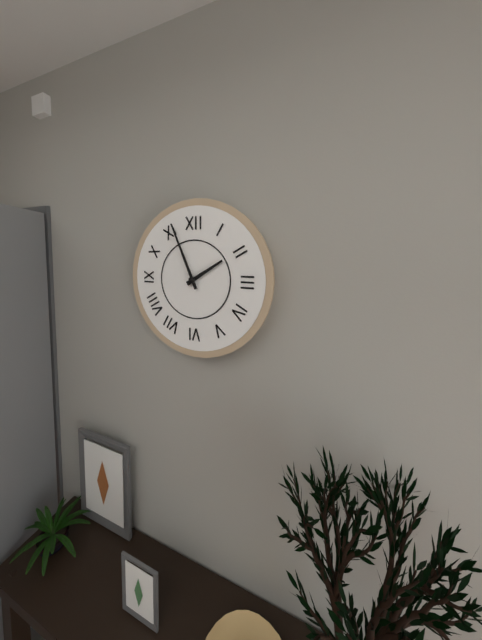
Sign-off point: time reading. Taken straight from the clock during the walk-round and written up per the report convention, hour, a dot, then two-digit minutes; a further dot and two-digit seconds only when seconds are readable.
1.56
